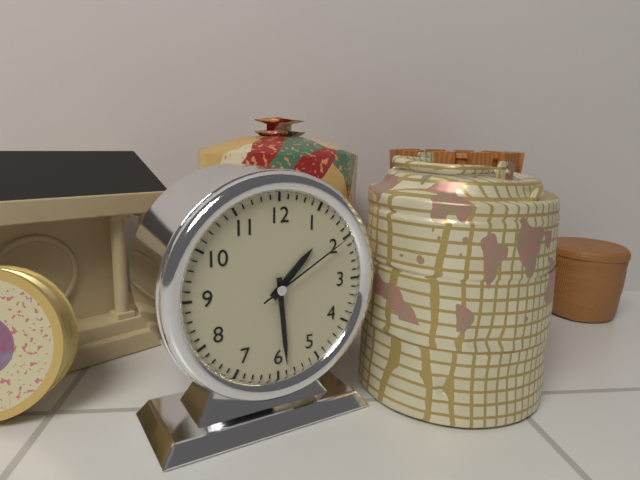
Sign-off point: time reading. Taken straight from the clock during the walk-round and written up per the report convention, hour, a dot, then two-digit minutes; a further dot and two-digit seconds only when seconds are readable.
1.29.10
